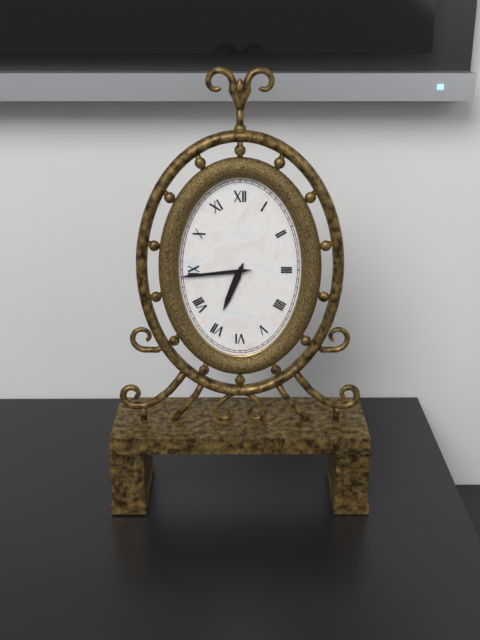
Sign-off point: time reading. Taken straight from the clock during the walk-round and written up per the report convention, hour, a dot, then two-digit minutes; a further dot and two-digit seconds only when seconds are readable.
6.44
